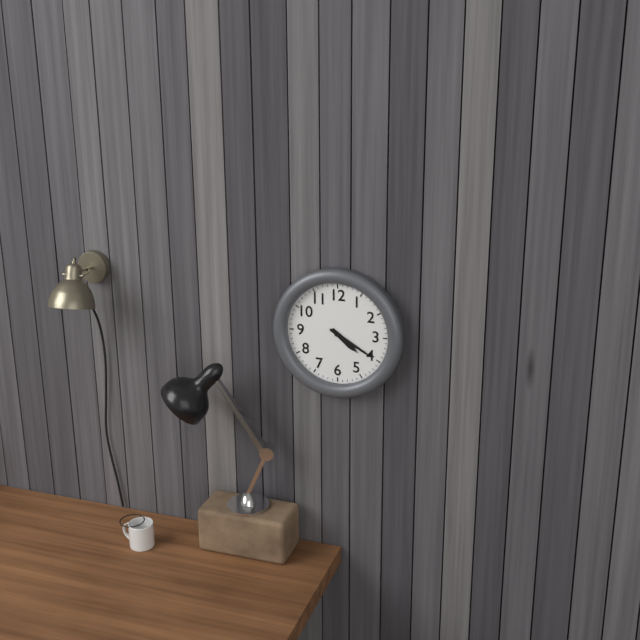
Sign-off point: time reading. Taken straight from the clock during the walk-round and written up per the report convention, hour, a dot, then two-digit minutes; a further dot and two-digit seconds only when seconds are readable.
4.20
